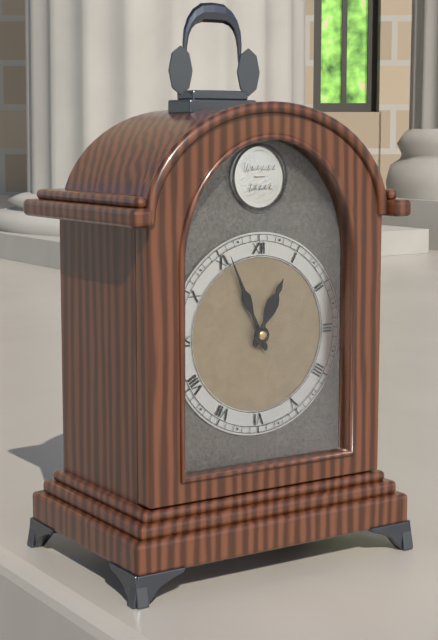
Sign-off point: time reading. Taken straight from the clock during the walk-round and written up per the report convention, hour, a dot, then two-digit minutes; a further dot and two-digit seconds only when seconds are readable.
12.56
